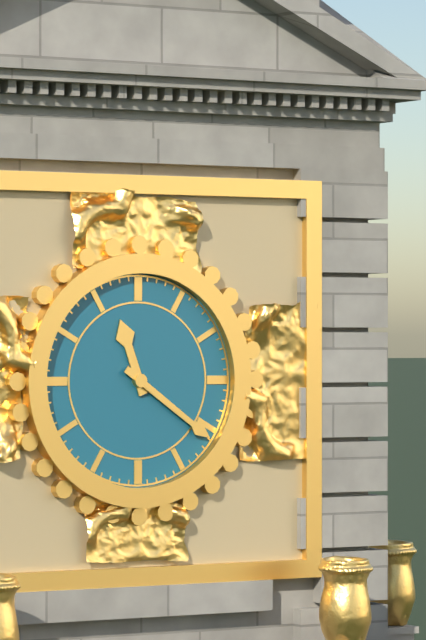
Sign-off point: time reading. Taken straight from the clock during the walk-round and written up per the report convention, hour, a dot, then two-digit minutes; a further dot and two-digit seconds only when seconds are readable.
11.21
